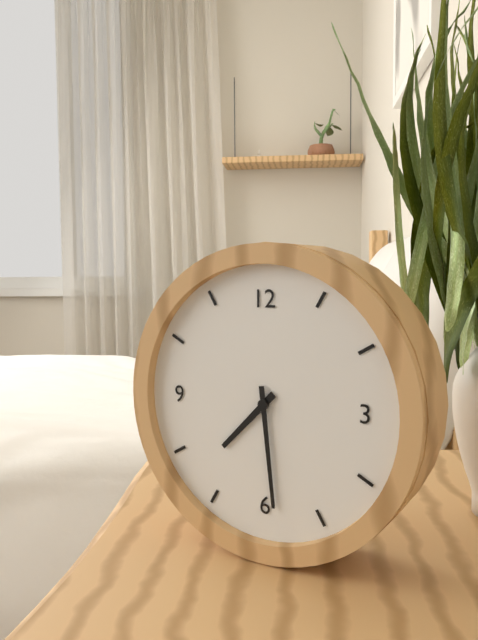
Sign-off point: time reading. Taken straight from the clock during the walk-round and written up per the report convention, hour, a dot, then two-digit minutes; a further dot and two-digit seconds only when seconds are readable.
7.29
